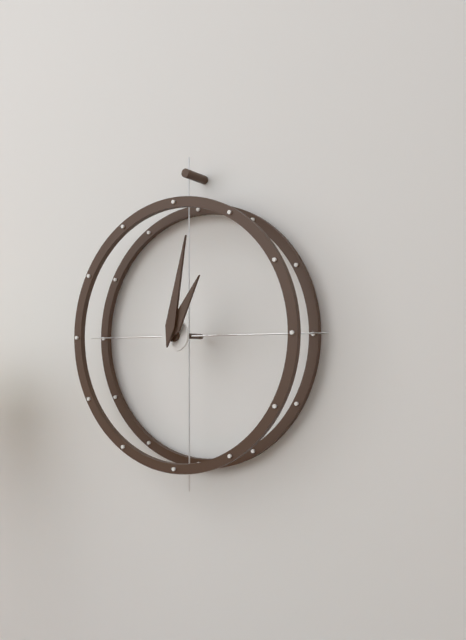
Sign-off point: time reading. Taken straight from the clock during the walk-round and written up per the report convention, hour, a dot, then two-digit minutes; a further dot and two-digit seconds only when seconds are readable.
1.02
